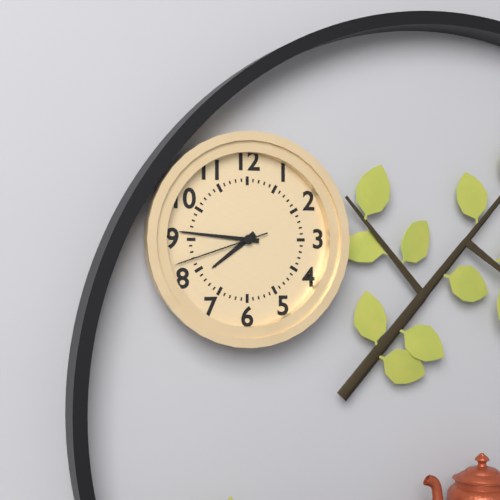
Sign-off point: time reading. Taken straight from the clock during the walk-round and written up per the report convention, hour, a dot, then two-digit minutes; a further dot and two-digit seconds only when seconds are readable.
7.46.42
